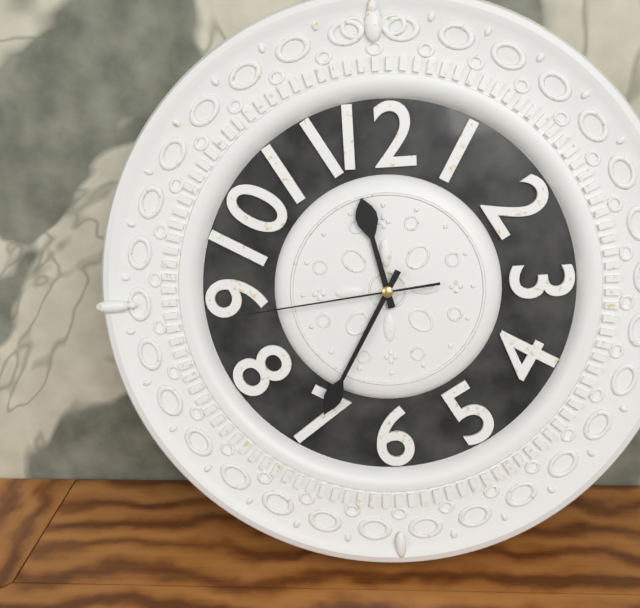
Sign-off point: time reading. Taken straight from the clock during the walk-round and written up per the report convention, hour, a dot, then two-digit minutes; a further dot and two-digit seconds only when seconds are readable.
11.35.44
